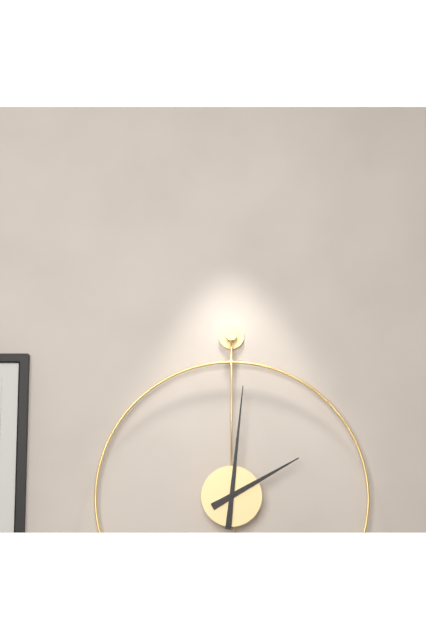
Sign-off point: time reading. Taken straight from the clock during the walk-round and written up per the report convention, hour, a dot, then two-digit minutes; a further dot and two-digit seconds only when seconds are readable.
2.01
